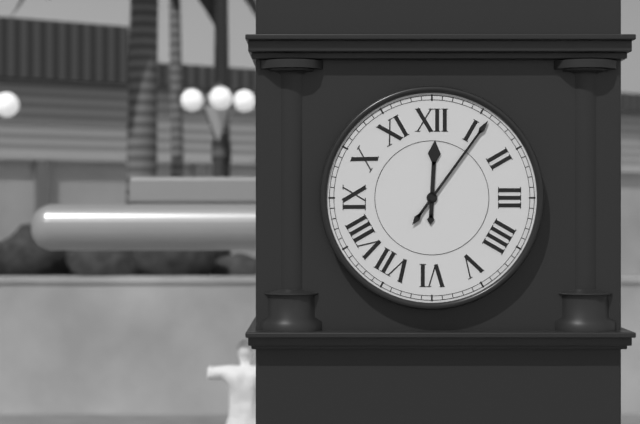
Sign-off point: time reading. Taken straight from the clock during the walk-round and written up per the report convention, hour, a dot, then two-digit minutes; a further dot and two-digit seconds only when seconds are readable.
12.06
